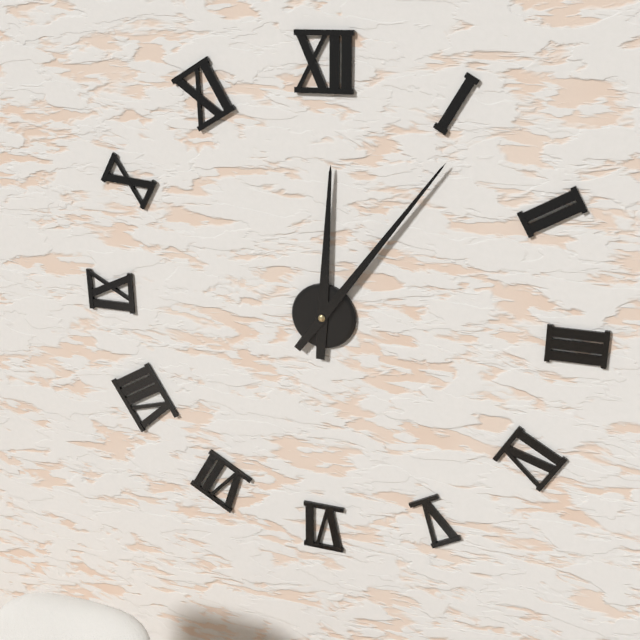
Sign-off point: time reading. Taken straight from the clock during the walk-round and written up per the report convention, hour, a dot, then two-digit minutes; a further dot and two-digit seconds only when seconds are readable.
12.06
